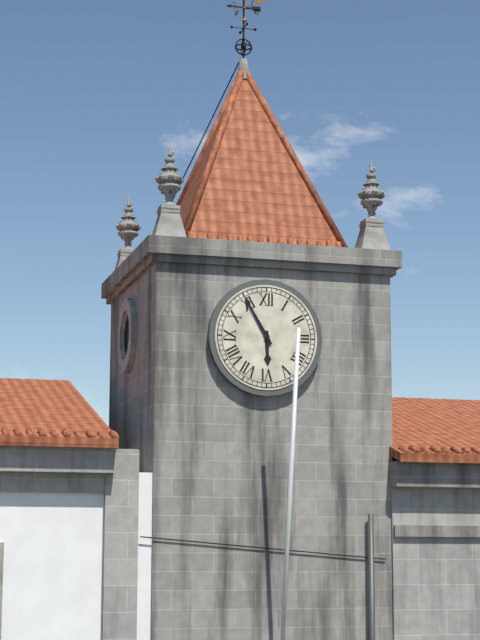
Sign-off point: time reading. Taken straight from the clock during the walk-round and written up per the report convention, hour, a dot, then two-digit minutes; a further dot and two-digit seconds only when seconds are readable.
5.55
